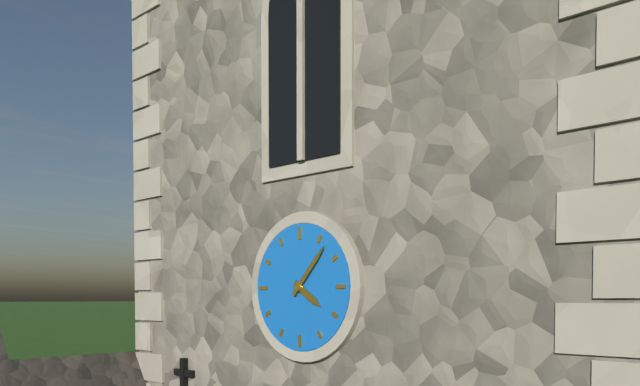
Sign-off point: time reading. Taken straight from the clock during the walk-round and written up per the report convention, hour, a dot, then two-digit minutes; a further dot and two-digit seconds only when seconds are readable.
4.07
